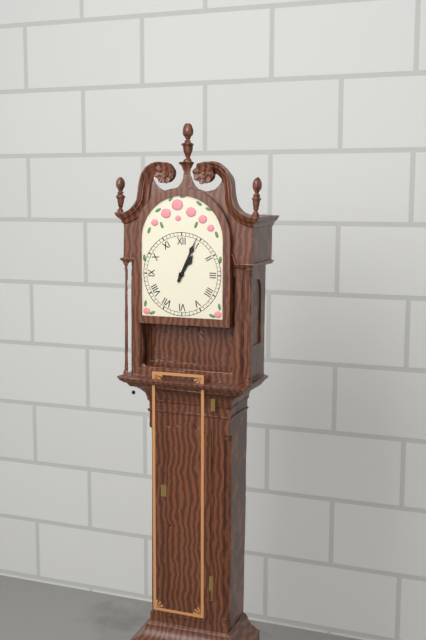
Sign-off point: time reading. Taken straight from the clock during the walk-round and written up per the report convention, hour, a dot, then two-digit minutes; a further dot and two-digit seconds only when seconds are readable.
1.04
